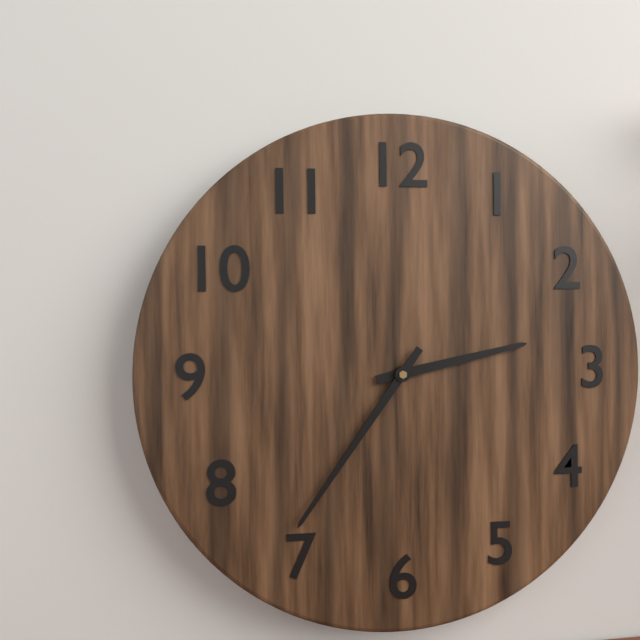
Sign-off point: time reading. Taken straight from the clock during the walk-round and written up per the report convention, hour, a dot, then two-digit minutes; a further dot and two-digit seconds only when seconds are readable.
2.36
